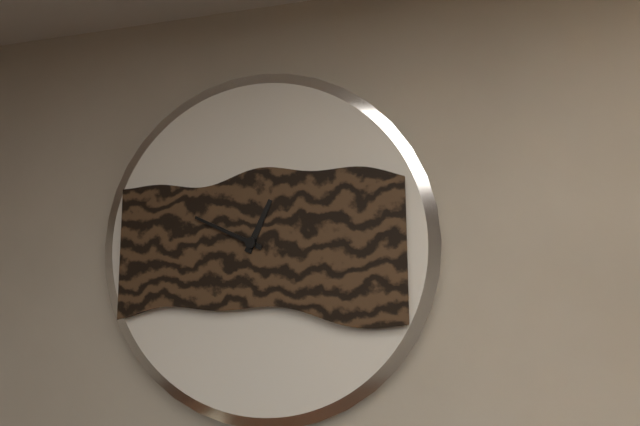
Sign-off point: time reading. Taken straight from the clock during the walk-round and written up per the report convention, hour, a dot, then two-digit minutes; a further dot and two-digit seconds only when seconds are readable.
12.49
